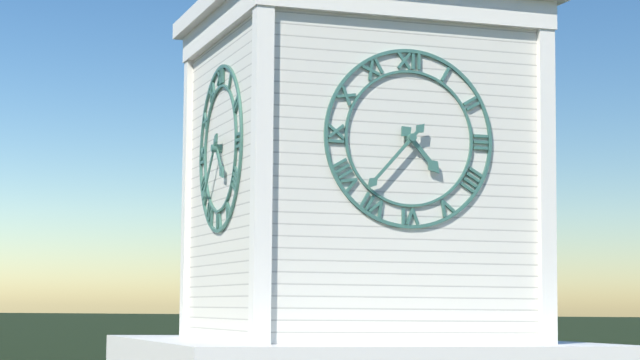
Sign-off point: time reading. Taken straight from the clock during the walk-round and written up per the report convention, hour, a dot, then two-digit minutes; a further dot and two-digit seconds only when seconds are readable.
4.37
